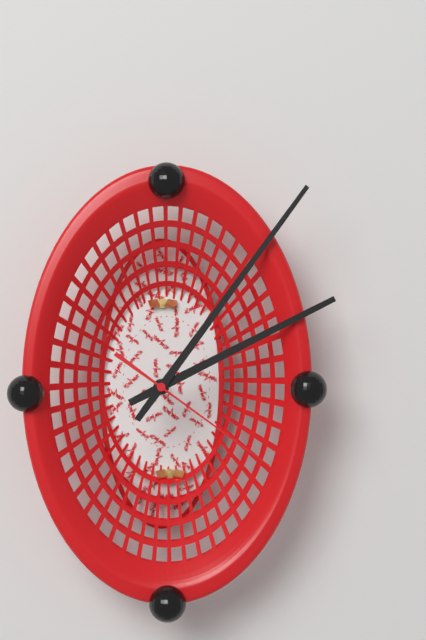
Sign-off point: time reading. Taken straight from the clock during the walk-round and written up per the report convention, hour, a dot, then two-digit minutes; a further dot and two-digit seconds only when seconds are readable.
2.06.21
